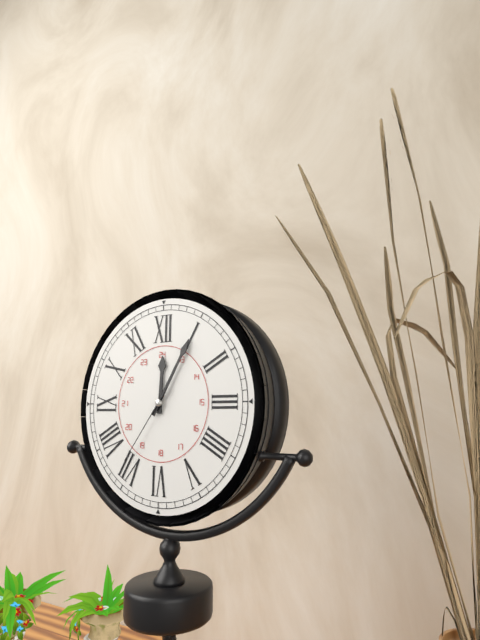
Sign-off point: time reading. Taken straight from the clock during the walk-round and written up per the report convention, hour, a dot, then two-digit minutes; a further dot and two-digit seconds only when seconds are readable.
12.05.36
